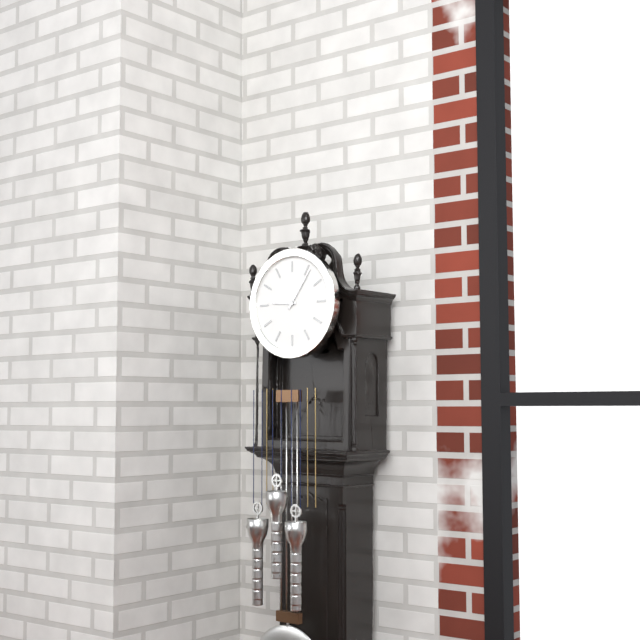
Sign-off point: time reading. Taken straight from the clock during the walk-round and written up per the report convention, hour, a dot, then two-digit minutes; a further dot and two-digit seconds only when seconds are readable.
9.06
